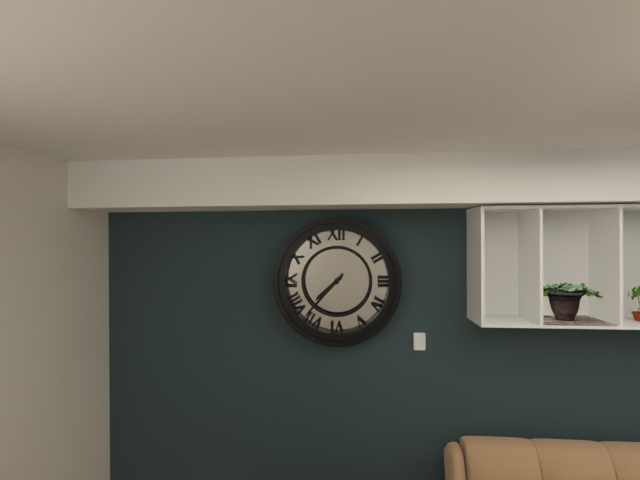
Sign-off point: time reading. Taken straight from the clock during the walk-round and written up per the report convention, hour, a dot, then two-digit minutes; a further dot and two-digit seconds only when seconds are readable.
7.37
